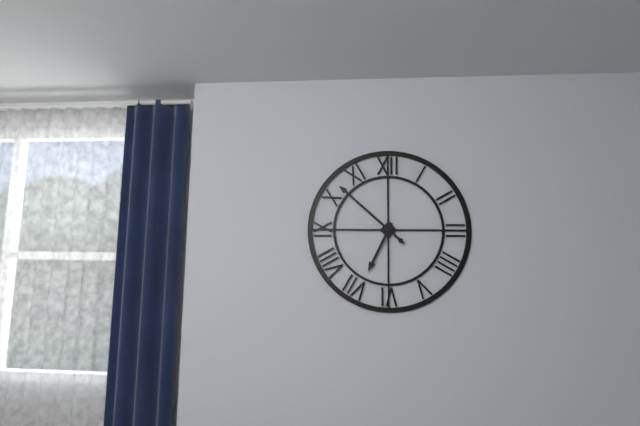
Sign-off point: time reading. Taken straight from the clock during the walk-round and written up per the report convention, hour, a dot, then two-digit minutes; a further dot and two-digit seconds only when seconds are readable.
6.52
